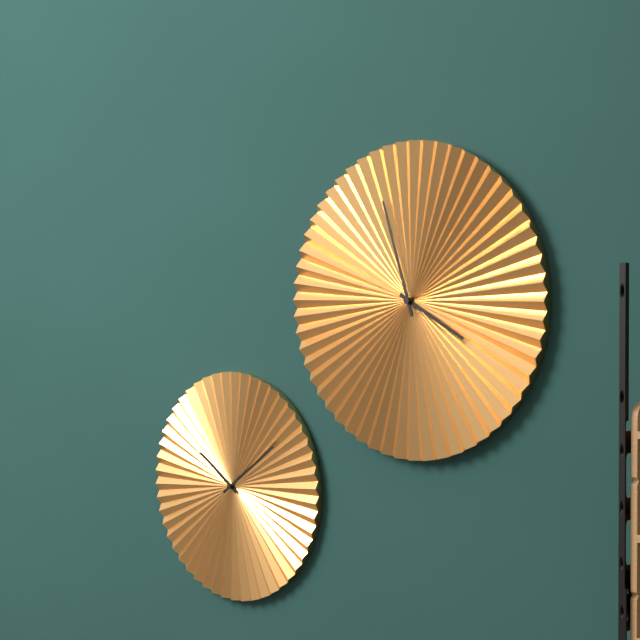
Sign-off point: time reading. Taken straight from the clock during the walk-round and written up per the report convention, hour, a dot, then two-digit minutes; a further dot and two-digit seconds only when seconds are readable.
3.57
